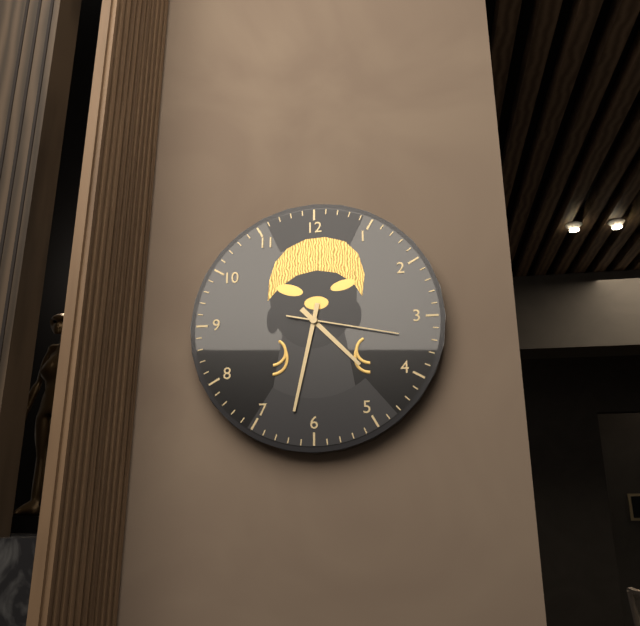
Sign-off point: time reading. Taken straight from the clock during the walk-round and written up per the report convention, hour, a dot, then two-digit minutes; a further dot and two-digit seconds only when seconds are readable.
4.32.17
